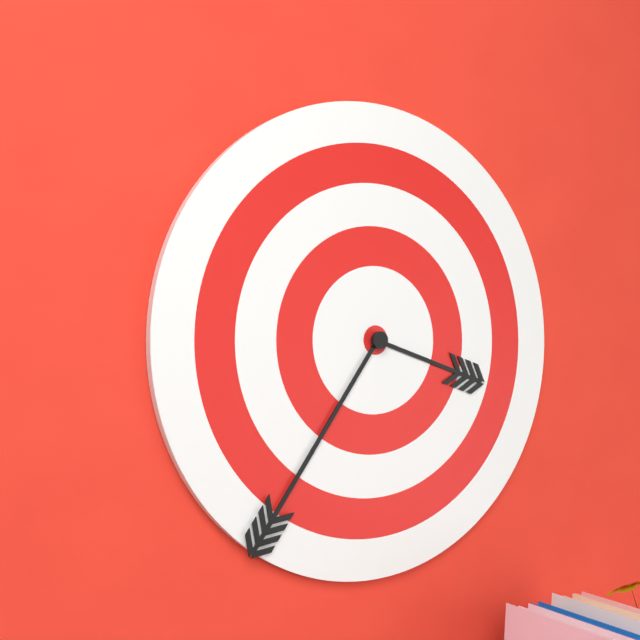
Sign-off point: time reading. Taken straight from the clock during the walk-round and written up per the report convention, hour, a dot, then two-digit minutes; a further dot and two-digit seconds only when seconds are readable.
3.36
